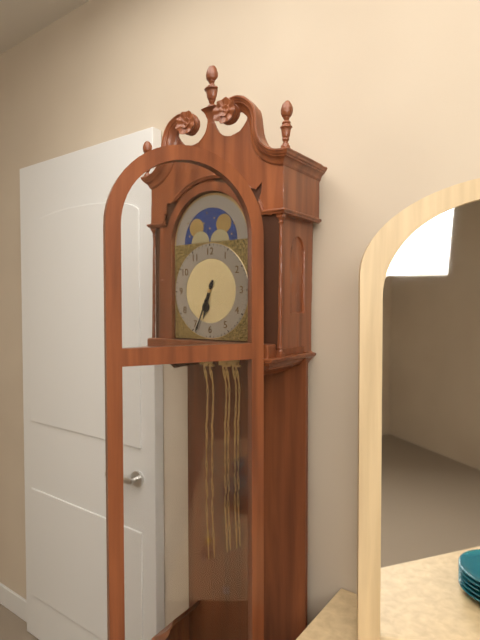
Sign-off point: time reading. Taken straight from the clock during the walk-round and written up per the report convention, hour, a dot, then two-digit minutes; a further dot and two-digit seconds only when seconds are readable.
6.34
